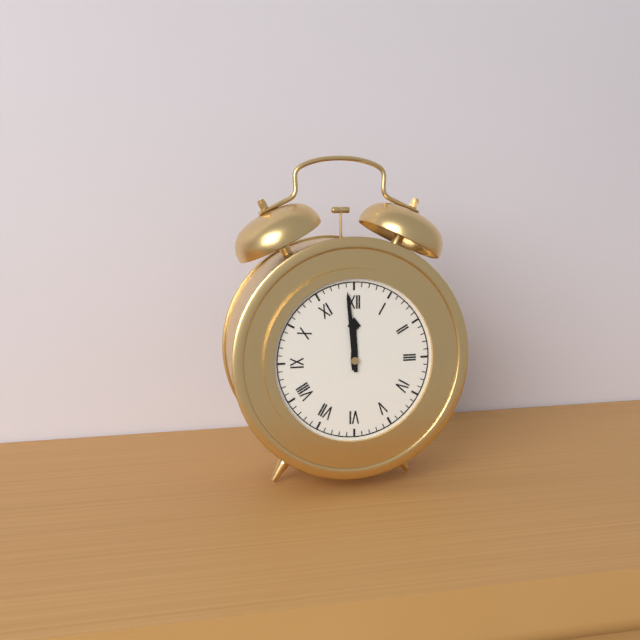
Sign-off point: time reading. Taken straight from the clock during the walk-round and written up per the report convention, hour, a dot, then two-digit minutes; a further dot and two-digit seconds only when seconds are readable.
11.59
